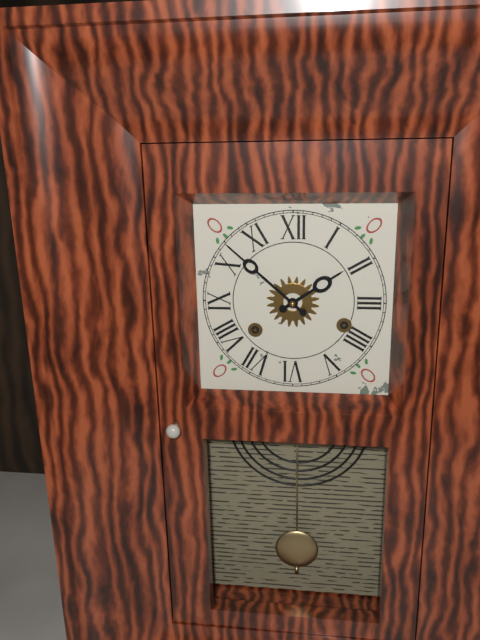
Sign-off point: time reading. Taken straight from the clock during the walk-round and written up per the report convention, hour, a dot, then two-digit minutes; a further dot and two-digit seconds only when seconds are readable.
1.52
